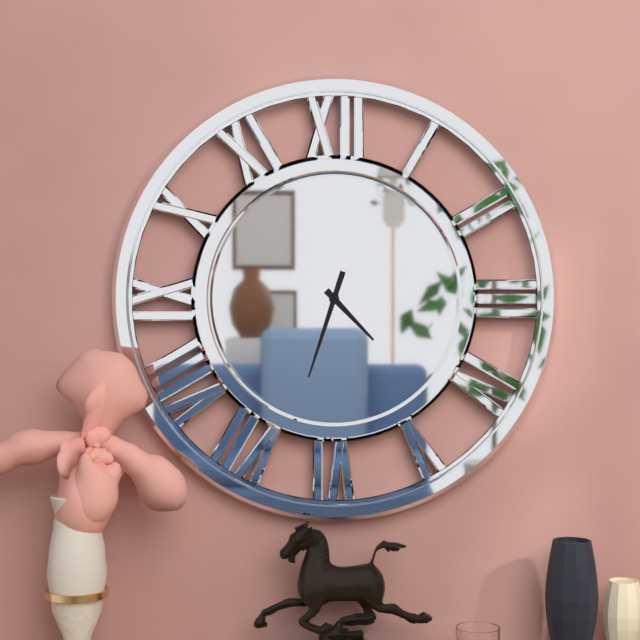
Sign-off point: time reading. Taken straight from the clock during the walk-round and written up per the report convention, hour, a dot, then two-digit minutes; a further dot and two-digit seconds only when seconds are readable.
4.33
